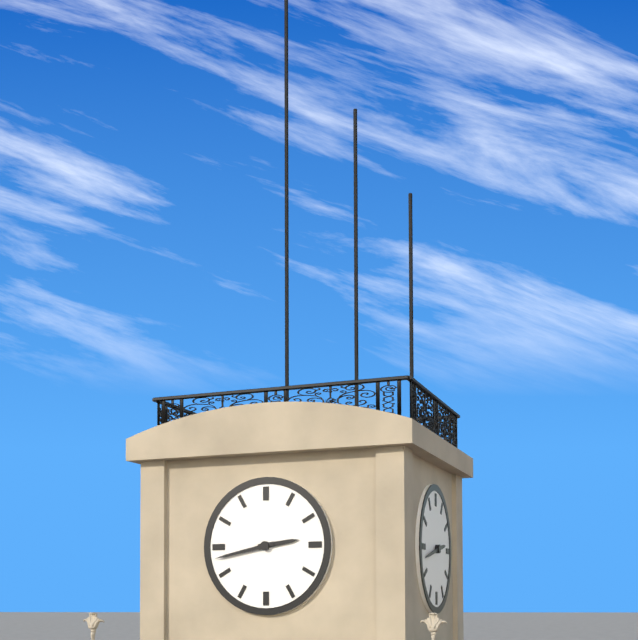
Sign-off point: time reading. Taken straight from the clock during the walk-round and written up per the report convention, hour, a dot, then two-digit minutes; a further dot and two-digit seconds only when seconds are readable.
2.43
